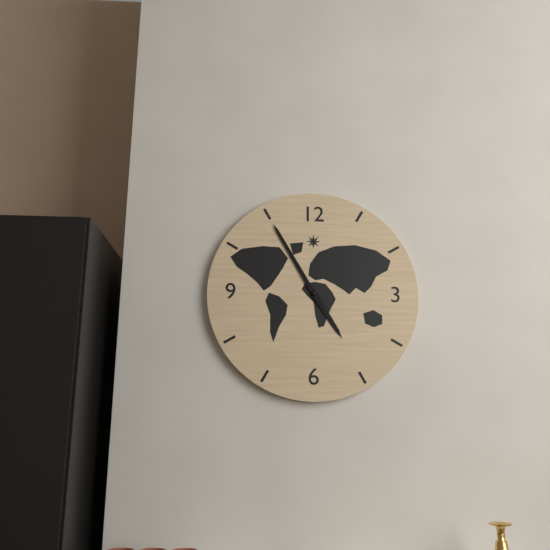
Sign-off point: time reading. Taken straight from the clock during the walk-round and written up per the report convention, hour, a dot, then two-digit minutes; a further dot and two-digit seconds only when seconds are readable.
4.55
